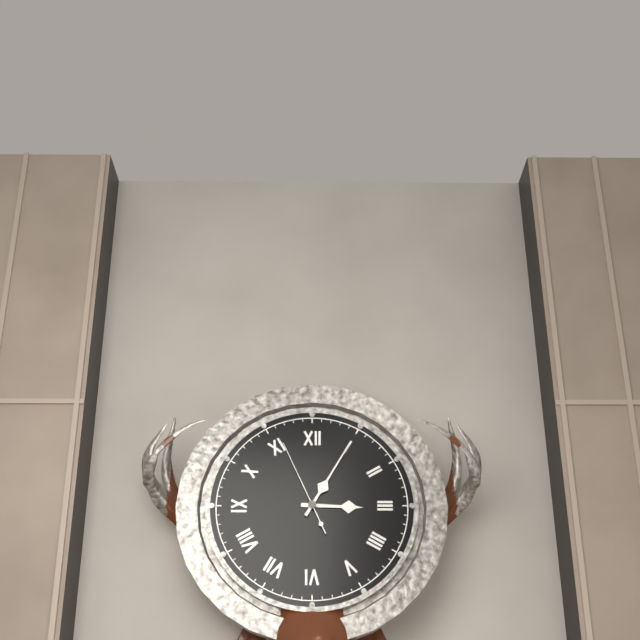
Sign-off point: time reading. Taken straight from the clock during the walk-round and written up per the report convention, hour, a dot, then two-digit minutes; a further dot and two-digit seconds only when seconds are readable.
3.05.56
